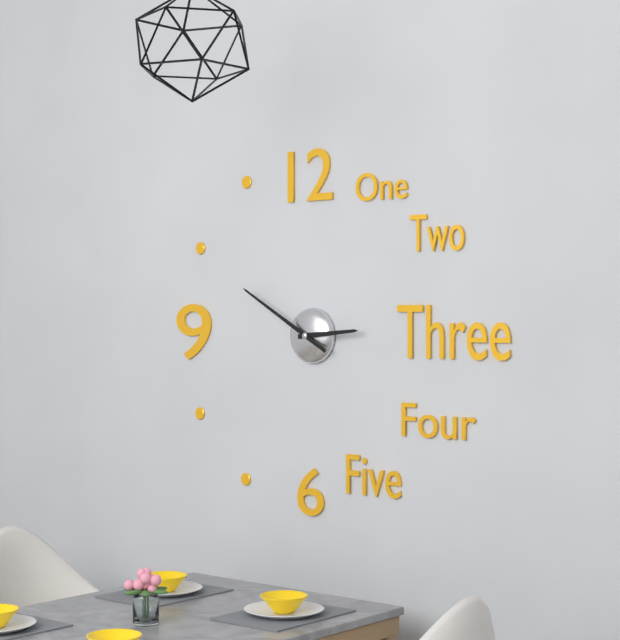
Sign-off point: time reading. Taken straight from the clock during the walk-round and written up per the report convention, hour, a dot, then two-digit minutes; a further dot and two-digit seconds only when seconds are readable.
2.50
